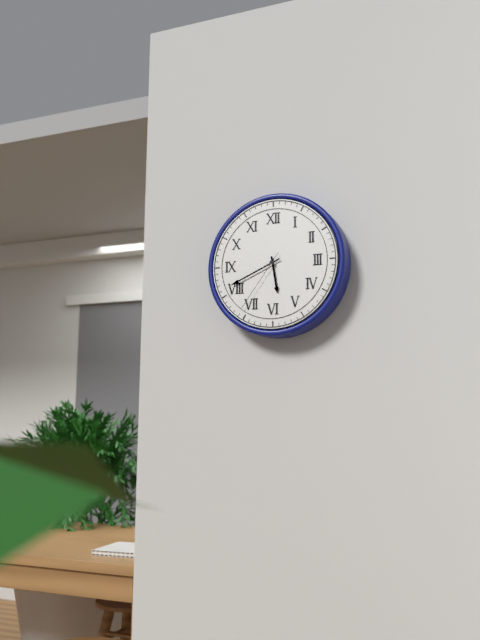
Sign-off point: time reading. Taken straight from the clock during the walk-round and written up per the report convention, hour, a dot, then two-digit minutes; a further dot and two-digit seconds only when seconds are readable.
5.41.36
